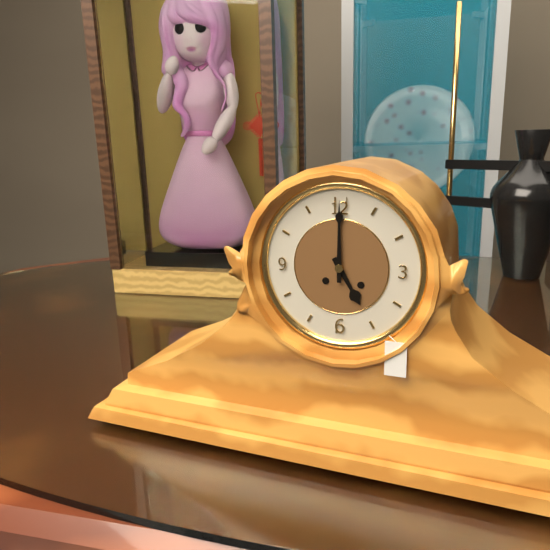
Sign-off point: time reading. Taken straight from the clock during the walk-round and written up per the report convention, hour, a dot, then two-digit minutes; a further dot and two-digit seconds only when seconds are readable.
5.00
